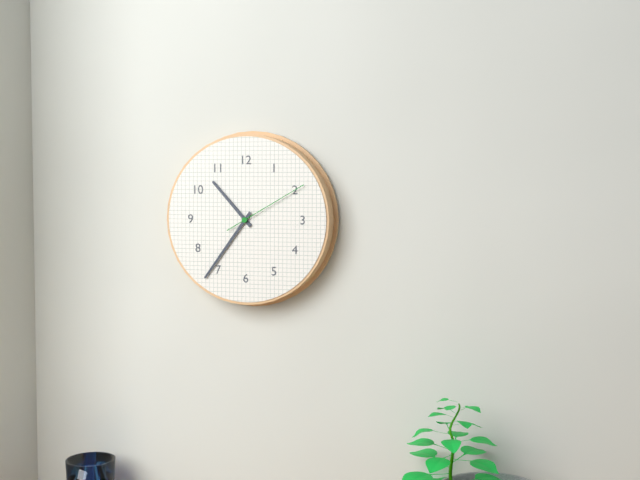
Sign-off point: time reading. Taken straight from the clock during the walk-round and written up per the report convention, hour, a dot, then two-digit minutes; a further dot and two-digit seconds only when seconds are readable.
10.36.10
